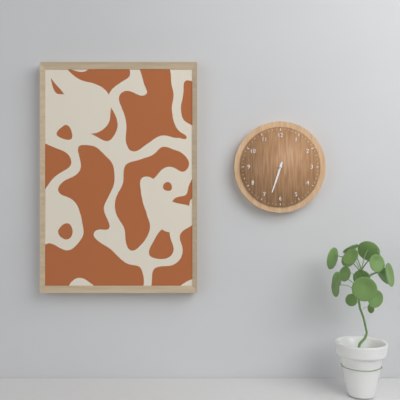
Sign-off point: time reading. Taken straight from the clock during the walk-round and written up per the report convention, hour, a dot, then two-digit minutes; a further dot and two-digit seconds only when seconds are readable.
6.33
